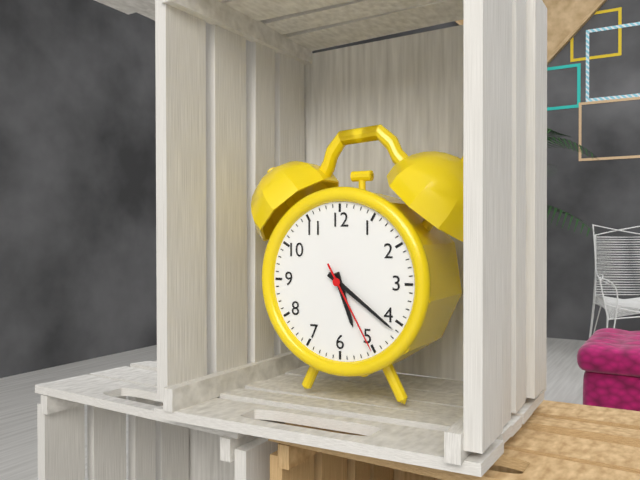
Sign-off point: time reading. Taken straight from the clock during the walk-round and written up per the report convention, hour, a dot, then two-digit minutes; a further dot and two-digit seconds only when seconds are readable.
5.21.25
